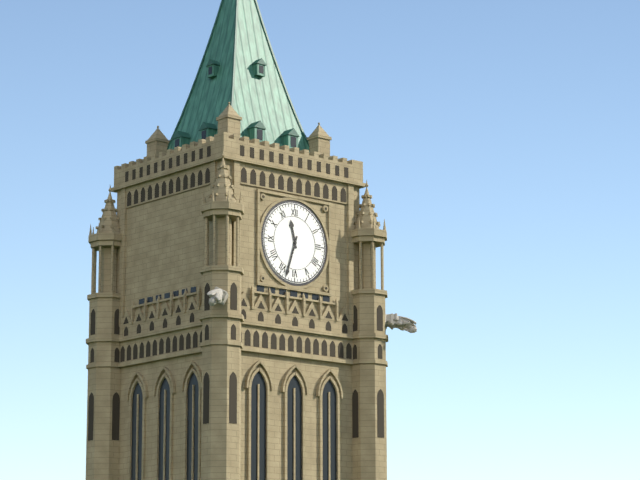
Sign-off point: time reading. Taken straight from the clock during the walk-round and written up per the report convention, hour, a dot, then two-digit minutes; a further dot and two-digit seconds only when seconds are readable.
11.33
